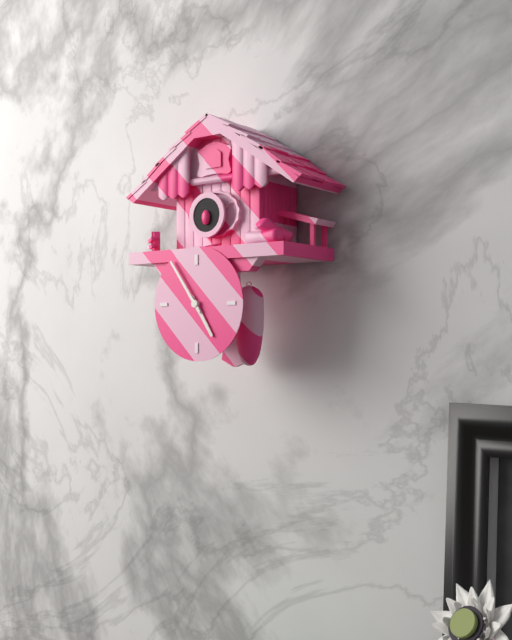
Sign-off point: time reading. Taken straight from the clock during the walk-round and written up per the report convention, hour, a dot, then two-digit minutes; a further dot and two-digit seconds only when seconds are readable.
4.54
